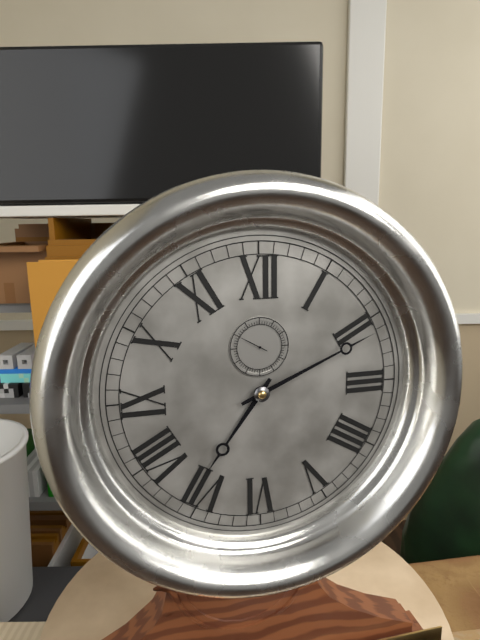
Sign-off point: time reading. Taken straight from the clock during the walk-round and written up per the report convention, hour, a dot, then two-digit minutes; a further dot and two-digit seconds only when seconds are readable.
7.11
